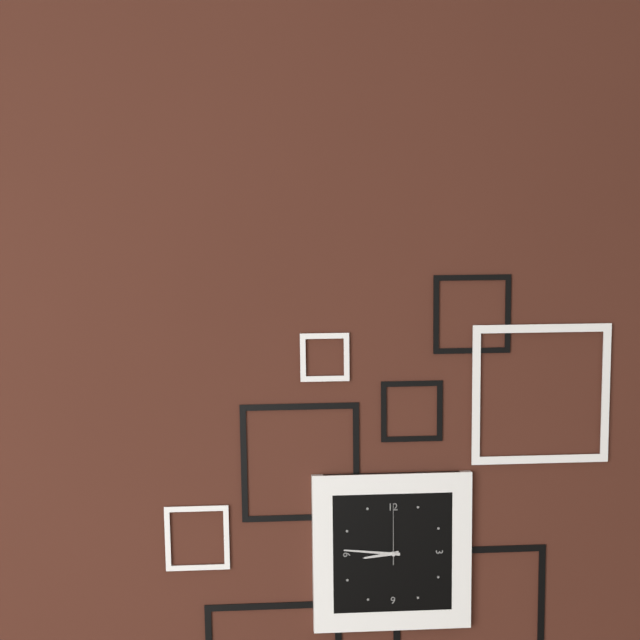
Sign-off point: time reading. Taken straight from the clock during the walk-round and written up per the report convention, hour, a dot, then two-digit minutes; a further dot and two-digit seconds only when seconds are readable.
8.46.00
